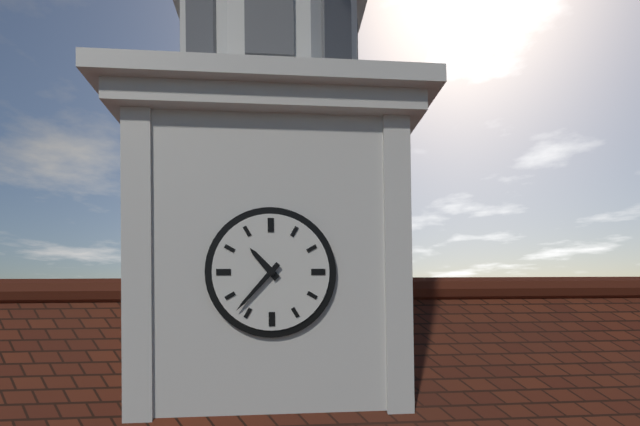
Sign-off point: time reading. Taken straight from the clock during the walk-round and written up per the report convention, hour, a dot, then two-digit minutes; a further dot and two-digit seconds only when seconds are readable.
10.37
